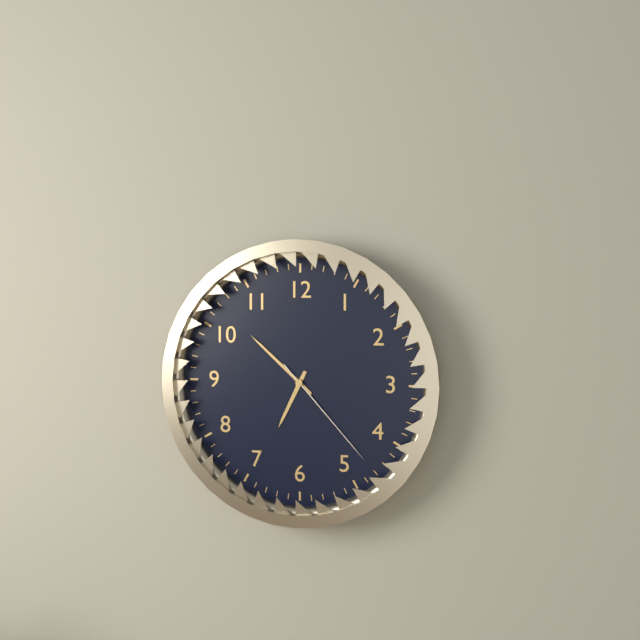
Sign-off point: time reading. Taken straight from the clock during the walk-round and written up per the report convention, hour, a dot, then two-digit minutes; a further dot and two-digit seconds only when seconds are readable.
6.52.23
